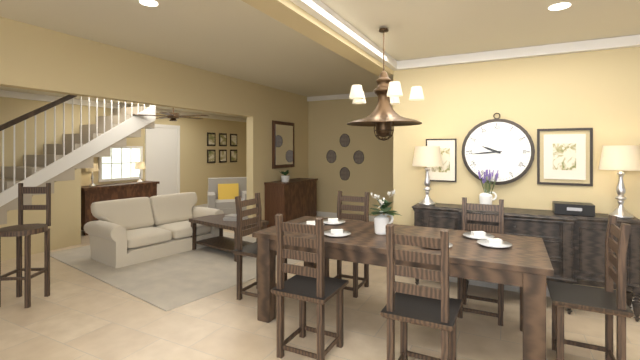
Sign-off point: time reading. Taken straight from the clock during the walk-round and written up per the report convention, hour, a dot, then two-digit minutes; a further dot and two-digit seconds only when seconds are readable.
9.44
